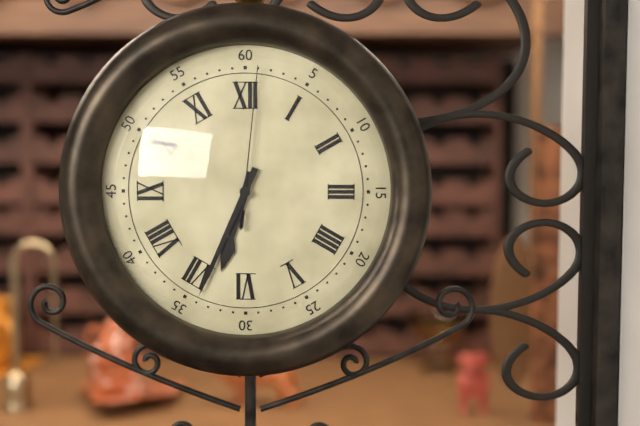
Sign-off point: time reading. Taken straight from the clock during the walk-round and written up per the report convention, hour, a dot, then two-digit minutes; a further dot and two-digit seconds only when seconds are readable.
6.34.01
